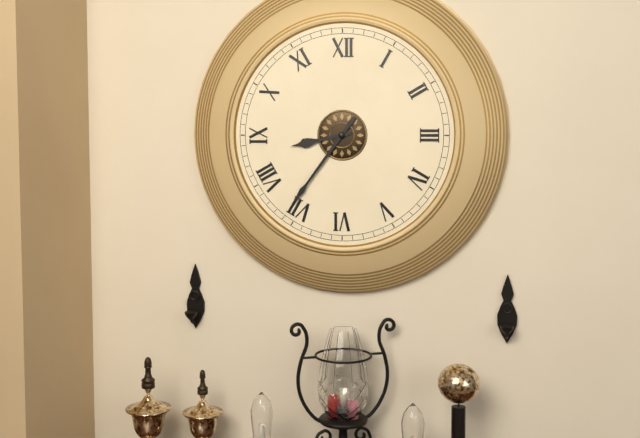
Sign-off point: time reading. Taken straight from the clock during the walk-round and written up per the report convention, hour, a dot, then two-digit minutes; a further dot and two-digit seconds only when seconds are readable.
8.36
